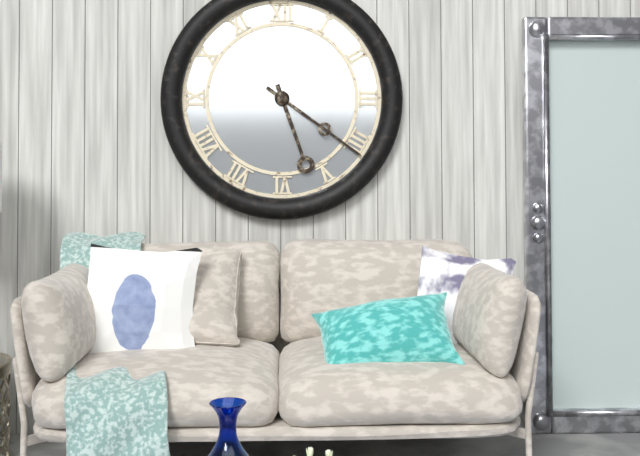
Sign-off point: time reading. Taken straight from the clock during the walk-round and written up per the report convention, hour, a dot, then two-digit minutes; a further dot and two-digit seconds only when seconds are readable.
5.21
